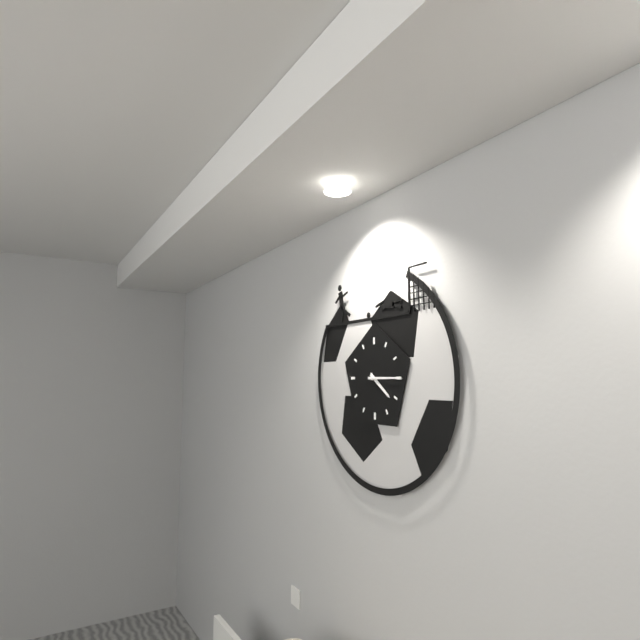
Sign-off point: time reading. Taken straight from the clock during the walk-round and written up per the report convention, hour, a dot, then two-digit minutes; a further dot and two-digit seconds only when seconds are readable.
4.15
